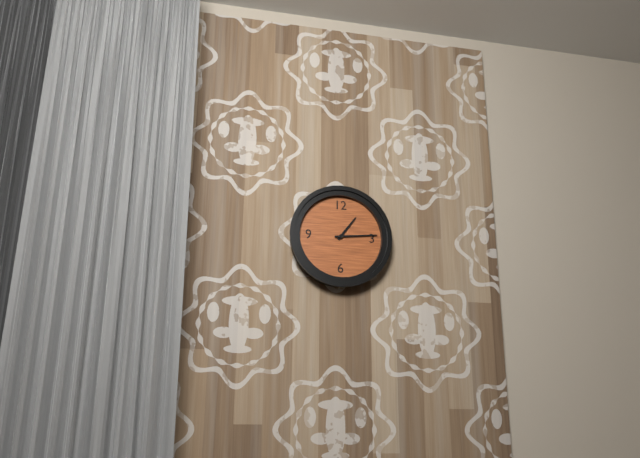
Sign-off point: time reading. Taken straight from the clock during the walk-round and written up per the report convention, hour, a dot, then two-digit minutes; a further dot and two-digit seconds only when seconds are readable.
1.14
